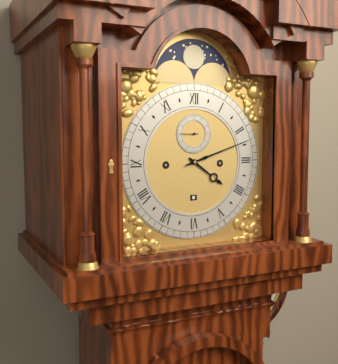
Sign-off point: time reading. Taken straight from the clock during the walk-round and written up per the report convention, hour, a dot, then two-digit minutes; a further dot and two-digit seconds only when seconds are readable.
4.12
